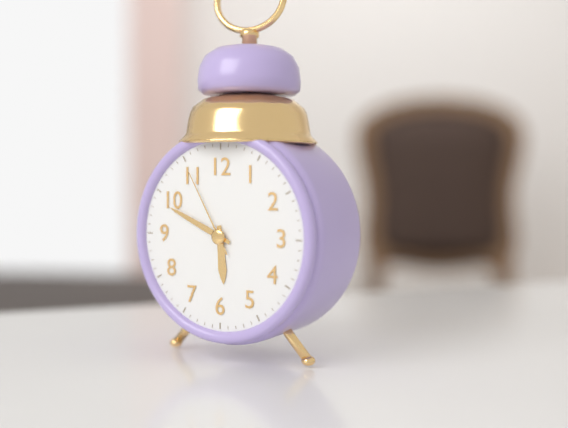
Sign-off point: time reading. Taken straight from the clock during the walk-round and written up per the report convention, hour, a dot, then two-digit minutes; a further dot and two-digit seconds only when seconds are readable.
5.49.55
